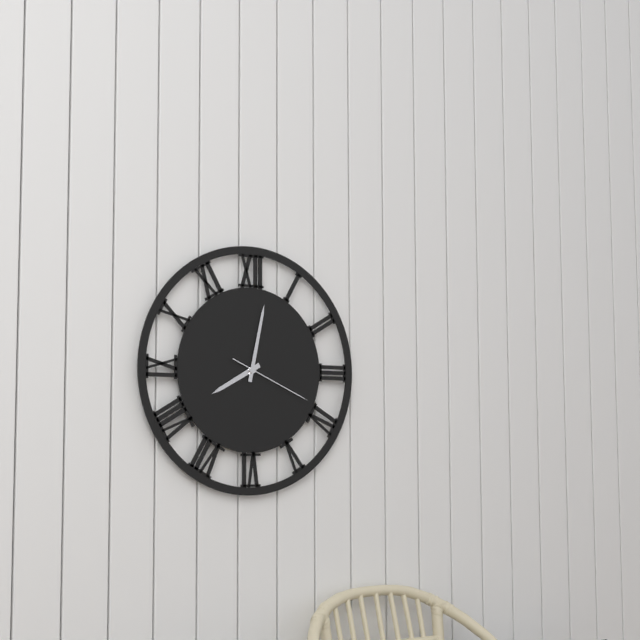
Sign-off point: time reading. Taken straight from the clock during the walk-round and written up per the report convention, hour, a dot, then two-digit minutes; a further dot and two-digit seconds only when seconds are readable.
8.02.19
